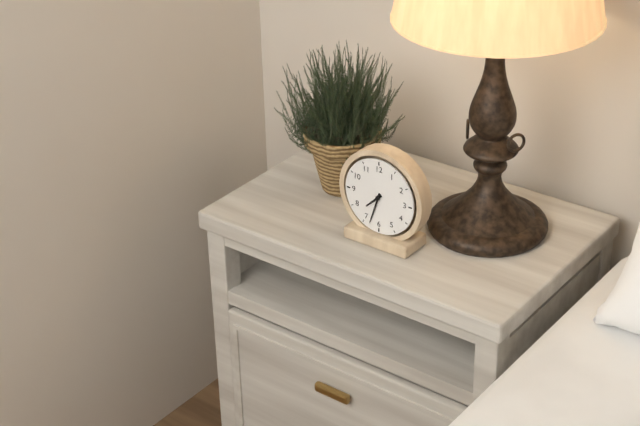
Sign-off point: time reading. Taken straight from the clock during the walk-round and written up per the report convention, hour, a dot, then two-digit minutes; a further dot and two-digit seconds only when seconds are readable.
7.33
